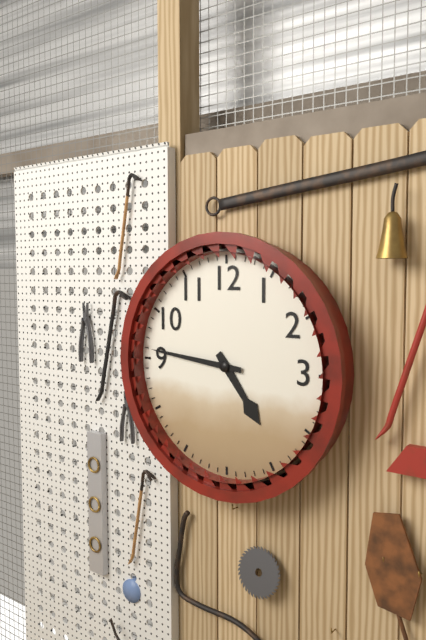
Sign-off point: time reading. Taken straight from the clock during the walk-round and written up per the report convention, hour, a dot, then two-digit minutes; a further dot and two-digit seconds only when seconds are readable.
4.46
